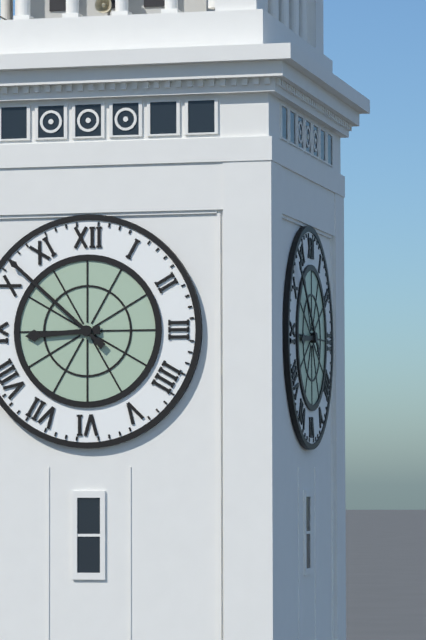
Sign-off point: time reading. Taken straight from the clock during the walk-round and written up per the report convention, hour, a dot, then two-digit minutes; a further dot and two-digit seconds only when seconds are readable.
8.52
